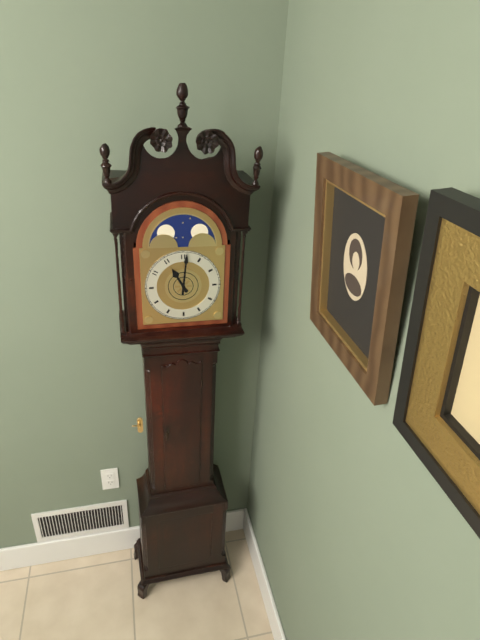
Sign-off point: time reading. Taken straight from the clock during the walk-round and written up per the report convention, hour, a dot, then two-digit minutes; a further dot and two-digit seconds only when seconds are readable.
11.01
